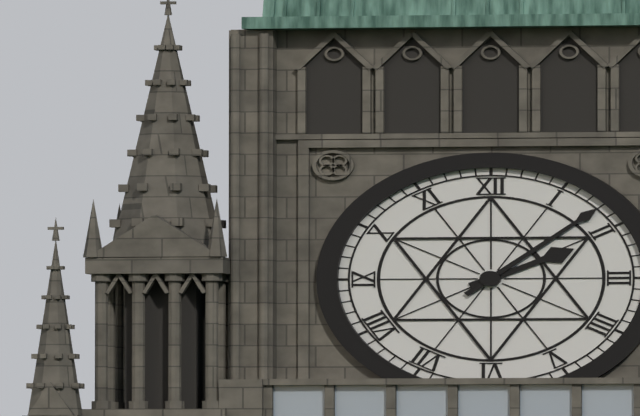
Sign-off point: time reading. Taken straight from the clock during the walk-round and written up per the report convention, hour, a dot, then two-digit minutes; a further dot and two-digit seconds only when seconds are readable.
2.08
